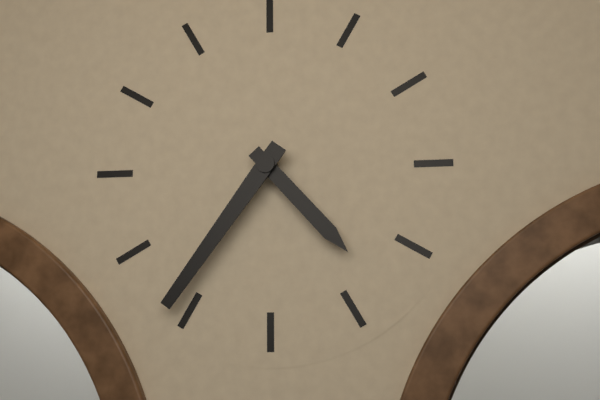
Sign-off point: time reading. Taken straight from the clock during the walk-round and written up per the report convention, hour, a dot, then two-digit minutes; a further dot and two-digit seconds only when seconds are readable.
4.36
